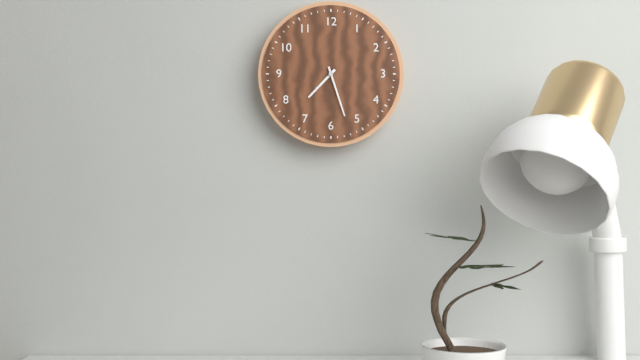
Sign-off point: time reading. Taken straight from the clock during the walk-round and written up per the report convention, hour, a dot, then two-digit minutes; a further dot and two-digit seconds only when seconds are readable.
7.27
